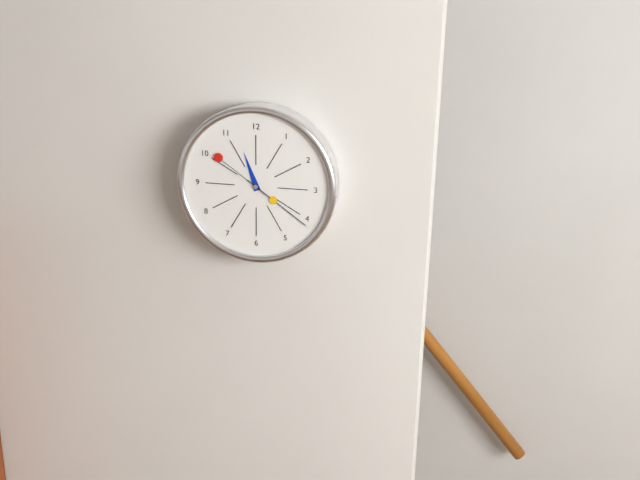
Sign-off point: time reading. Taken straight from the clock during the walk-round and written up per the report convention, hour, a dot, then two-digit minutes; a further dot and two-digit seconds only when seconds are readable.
11.21.51
